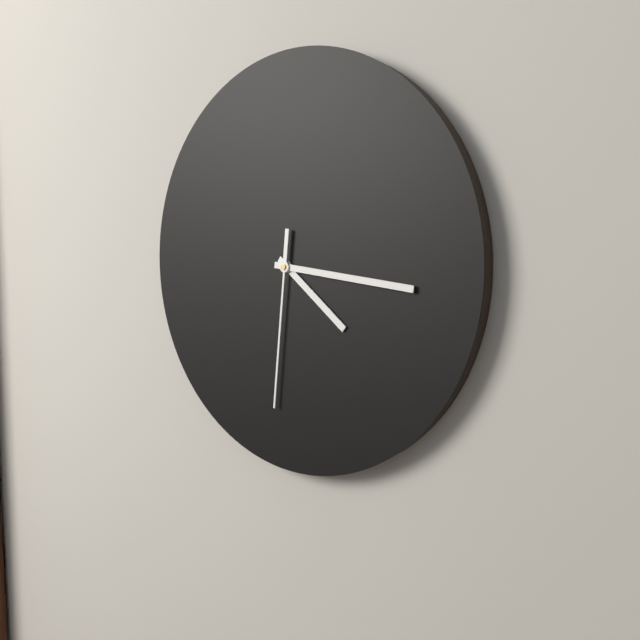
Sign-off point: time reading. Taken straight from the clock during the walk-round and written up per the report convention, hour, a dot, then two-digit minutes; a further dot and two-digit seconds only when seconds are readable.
4.16.31
